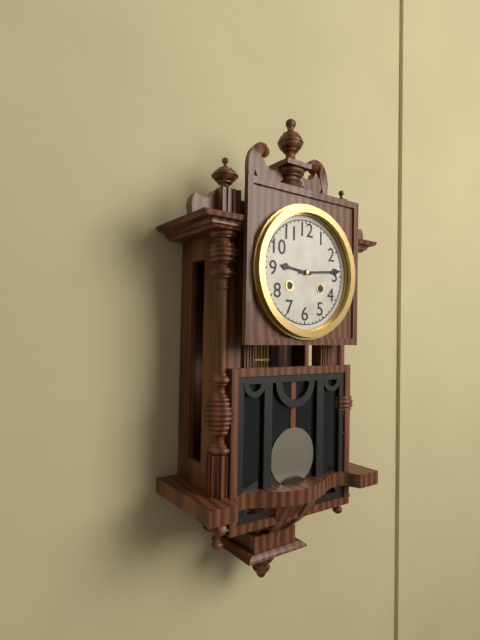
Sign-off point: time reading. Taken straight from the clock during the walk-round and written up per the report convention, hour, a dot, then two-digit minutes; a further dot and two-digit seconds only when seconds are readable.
9.14
